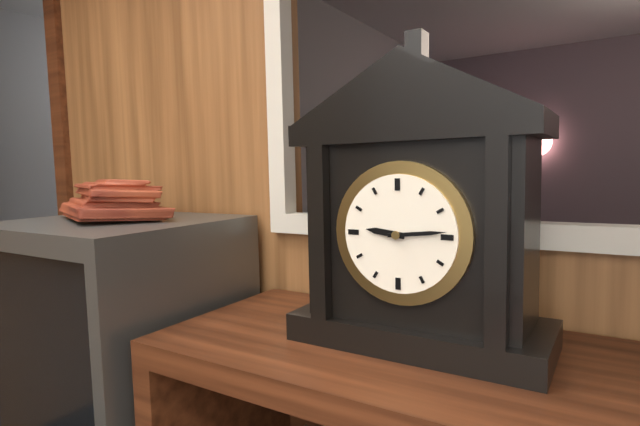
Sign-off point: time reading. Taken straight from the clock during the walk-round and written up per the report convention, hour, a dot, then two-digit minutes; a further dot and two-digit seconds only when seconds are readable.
9.14
